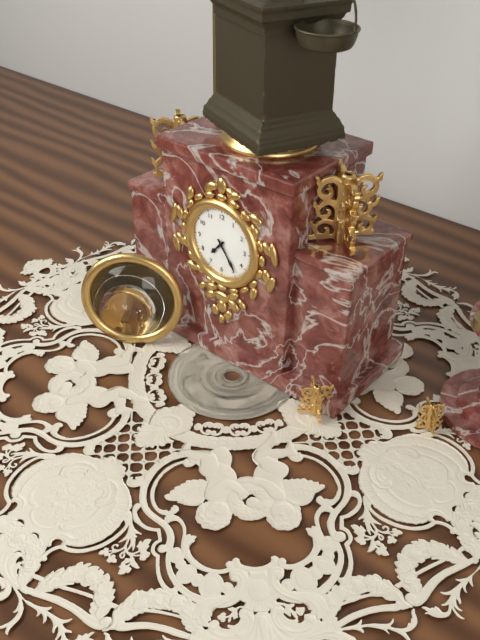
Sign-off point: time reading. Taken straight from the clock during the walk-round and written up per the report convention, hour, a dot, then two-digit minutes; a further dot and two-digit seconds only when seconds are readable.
7.24
